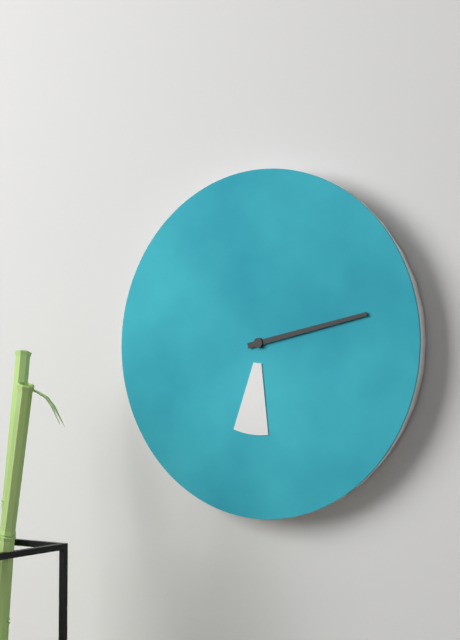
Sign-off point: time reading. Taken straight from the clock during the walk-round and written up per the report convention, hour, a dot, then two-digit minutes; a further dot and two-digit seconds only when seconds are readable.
6.13
